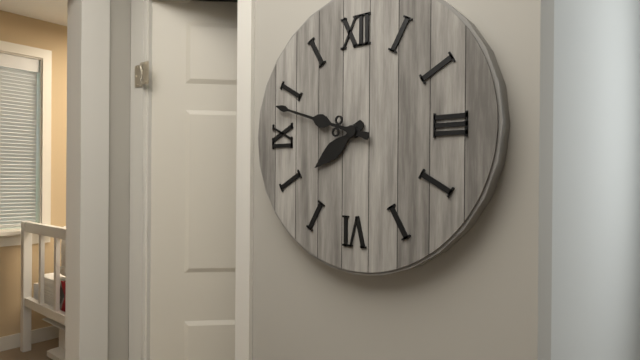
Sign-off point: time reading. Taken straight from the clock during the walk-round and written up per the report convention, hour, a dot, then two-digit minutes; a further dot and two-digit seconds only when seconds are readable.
7.48
